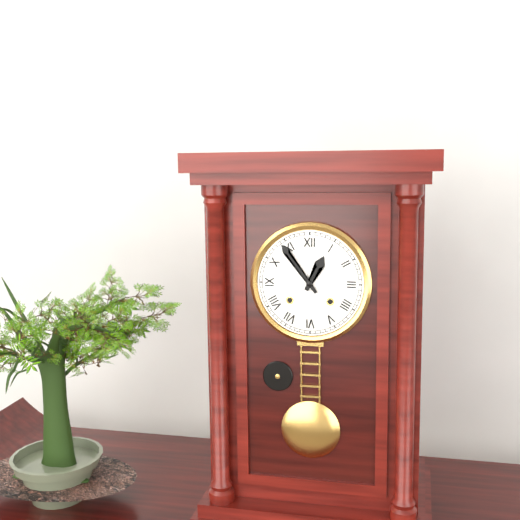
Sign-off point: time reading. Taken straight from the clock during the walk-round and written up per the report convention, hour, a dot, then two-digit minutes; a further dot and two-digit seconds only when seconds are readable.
12.54
